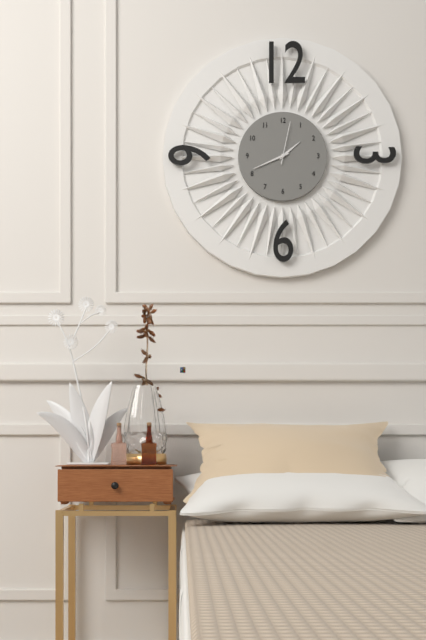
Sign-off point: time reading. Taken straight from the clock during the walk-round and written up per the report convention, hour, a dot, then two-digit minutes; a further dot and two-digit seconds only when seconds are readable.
1.41
